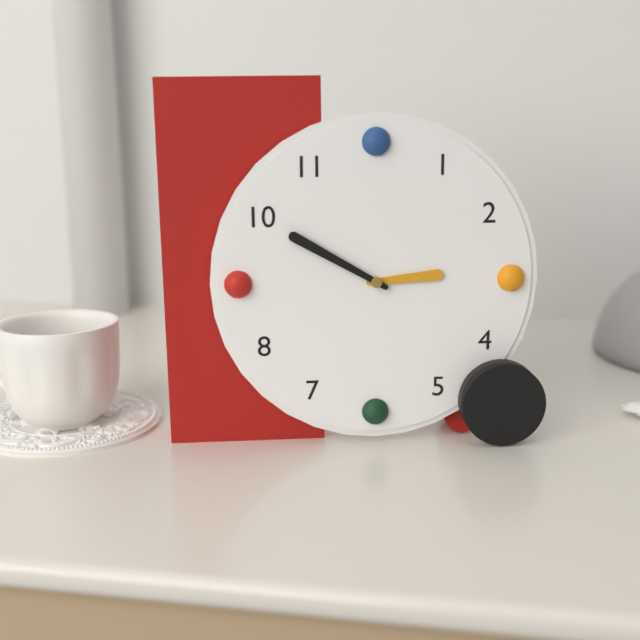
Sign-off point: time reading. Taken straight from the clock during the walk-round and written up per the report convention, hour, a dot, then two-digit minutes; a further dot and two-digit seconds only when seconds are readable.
2.50
